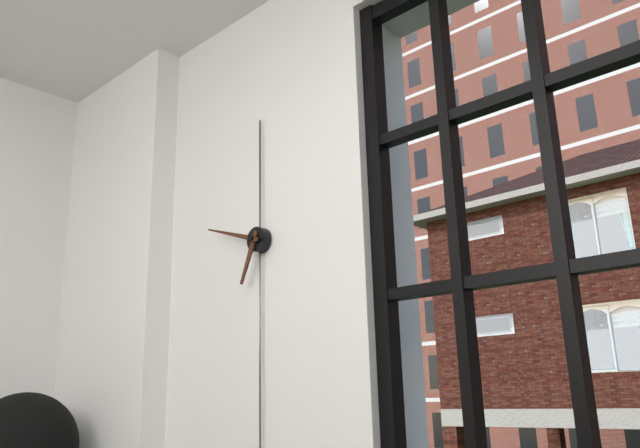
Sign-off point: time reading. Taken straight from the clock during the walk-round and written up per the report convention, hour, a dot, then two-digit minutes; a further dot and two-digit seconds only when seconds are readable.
6.48
